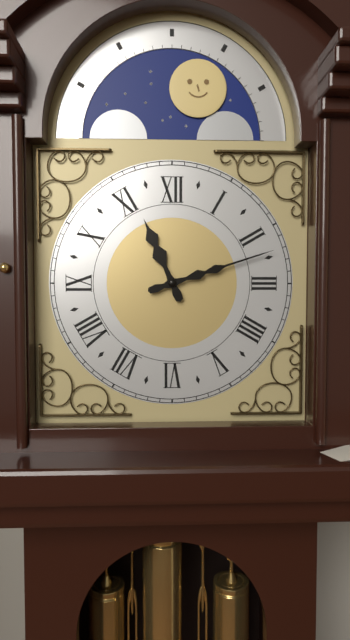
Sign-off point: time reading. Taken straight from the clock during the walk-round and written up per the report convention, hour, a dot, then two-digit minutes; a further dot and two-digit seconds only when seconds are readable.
11.12
